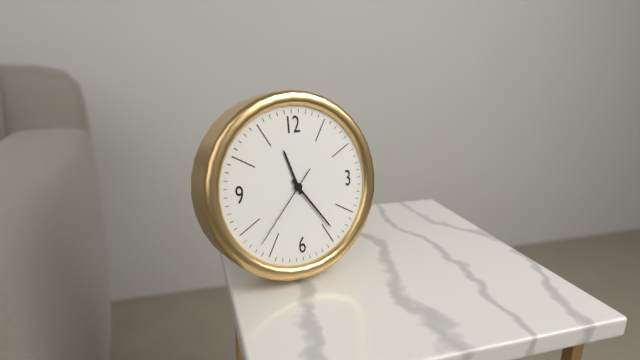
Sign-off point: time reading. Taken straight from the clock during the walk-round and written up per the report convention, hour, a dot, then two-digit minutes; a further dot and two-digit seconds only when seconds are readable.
11.24.37
